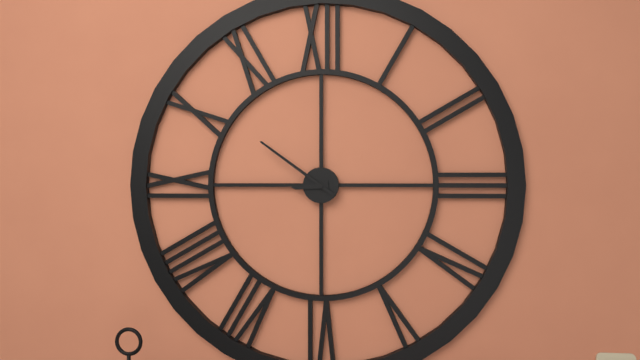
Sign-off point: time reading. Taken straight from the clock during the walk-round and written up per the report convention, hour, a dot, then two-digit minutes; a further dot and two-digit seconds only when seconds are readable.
8.51
